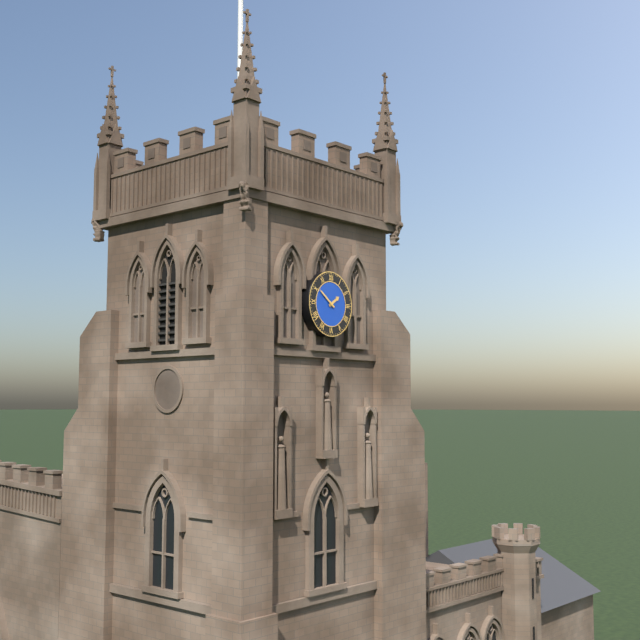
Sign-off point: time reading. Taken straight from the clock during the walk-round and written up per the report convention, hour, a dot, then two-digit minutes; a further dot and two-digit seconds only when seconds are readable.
1.51
